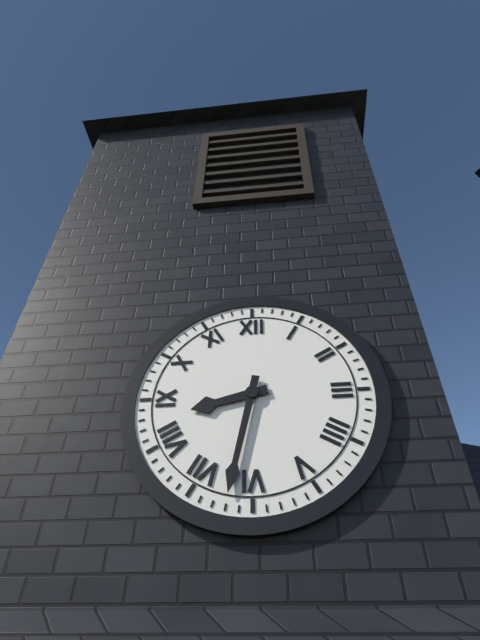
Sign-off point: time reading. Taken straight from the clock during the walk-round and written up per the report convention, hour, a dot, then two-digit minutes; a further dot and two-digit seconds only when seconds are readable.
8.32
